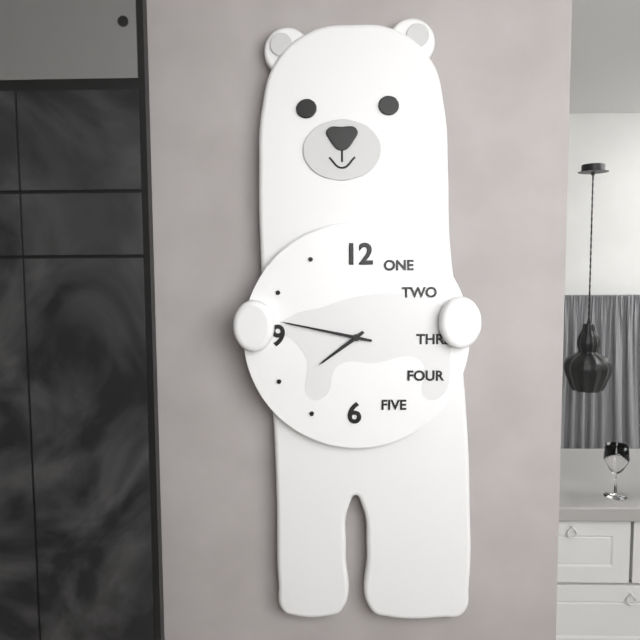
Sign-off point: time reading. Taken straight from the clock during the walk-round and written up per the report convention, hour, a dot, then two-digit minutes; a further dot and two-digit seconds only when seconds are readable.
7.47
